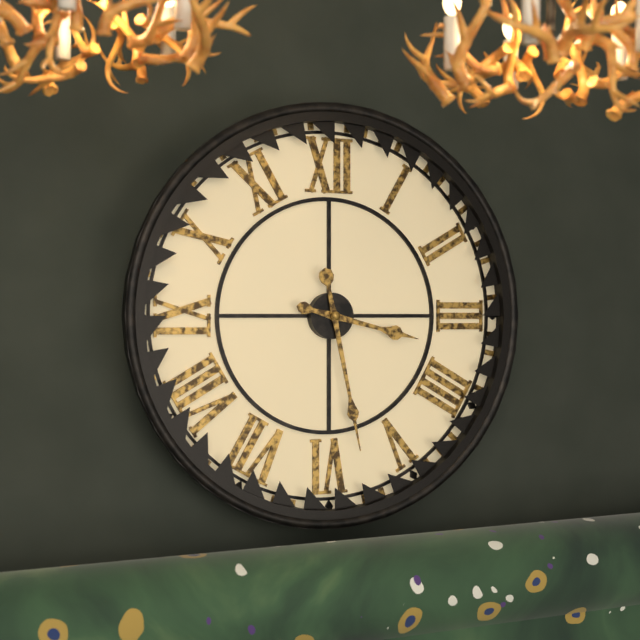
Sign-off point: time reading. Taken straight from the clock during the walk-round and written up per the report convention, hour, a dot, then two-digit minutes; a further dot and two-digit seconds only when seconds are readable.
3.28
